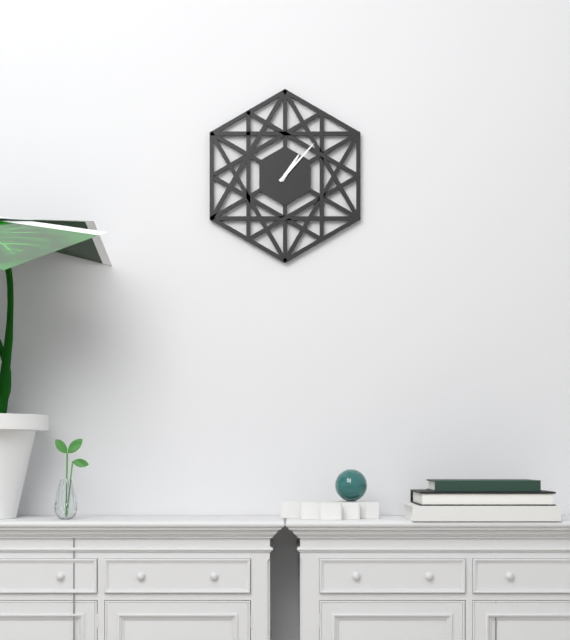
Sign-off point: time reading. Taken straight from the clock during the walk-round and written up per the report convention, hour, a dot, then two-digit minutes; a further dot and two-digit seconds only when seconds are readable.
1.07
